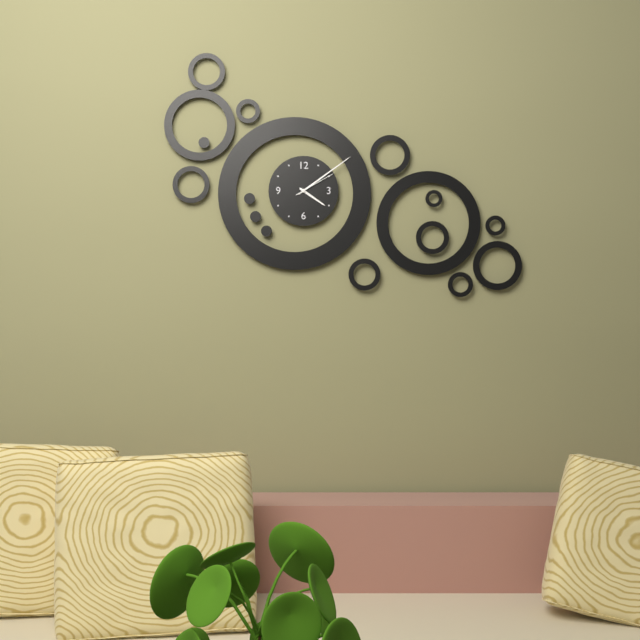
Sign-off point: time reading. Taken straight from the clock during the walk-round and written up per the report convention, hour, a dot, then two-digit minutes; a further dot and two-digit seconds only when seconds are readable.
4.09
